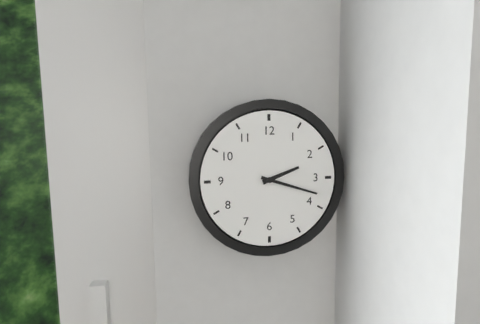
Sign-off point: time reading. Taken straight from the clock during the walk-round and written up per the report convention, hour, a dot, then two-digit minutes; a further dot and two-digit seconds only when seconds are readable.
2.18
